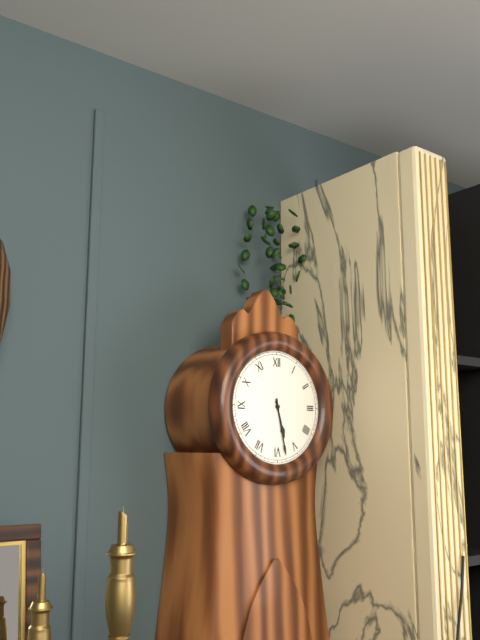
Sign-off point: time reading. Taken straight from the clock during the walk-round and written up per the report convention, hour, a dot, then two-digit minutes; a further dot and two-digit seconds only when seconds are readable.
5.28
